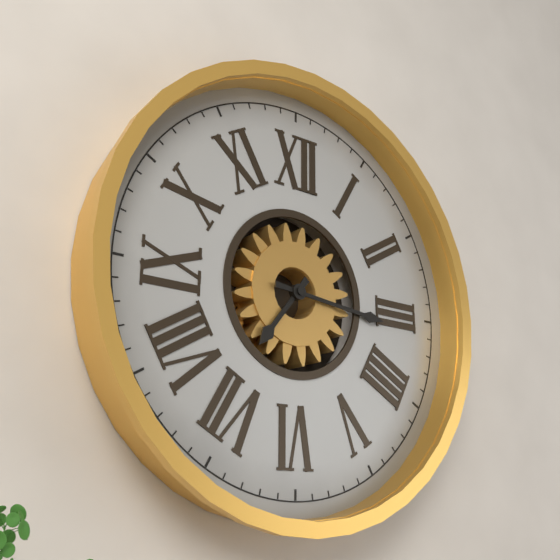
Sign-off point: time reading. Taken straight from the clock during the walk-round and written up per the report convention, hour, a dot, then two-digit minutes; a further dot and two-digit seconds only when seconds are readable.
7.16
